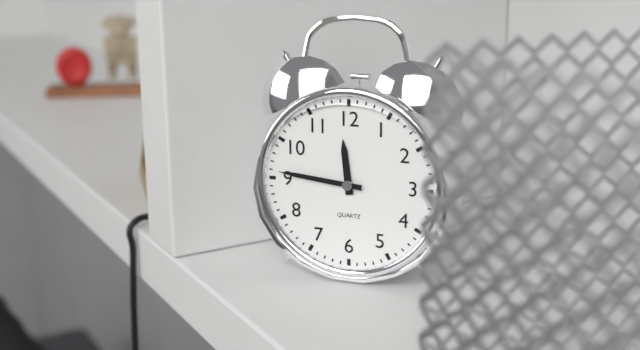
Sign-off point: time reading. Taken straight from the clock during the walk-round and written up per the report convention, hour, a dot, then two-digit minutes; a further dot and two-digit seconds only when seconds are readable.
11.46
